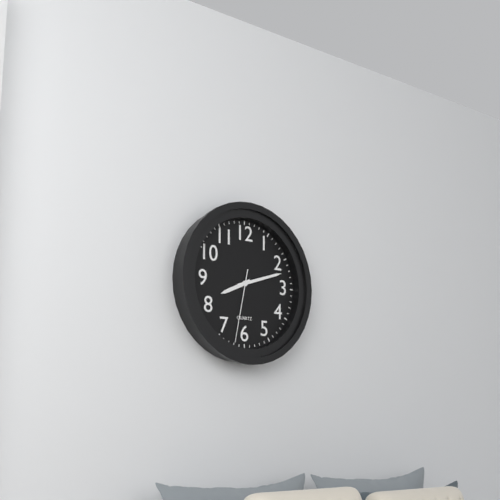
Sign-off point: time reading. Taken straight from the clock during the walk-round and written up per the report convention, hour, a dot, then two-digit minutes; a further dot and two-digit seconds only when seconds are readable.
8.12.32
